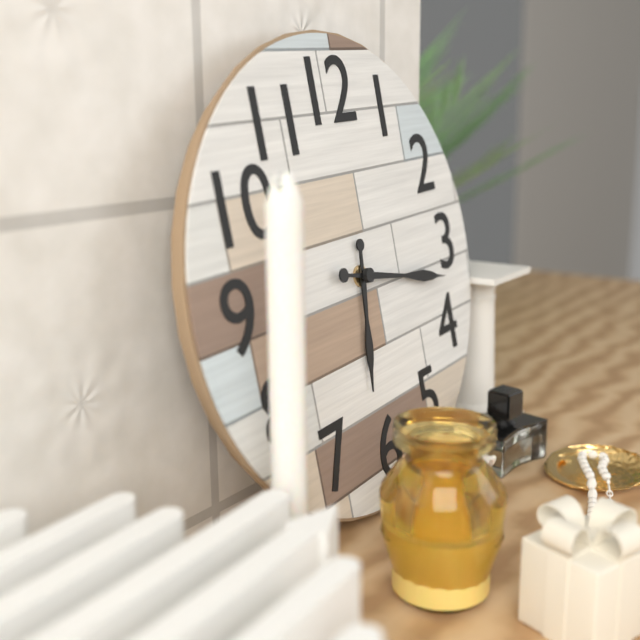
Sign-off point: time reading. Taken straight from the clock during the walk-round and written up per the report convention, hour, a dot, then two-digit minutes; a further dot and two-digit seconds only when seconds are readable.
6.17
